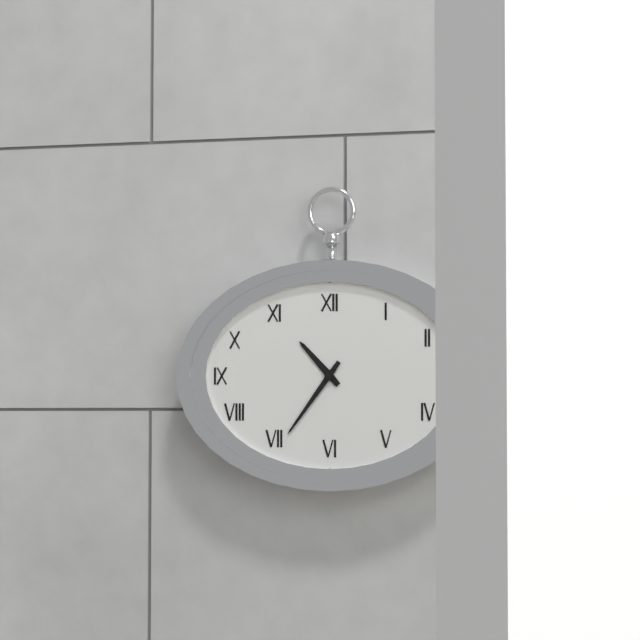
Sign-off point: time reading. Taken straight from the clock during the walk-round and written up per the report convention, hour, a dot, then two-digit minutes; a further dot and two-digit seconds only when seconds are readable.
10.36
